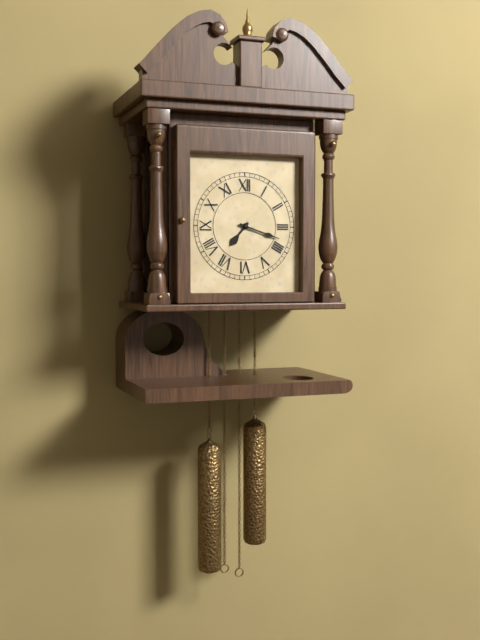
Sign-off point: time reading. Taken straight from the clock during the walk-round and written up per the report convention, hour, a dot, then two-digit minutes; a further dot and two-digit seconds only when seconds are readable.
7.18
